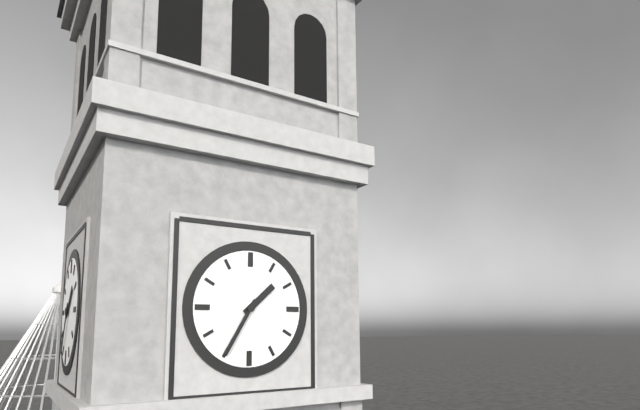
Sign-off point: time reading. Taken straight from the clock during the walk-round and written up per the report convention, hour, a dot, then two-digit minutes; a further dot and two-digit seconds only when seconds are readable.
1.35
